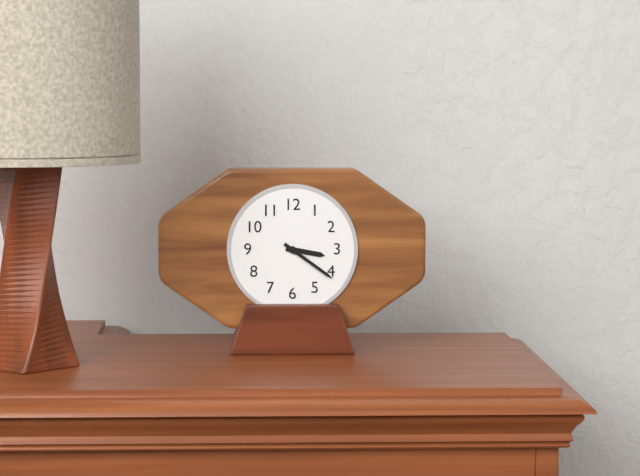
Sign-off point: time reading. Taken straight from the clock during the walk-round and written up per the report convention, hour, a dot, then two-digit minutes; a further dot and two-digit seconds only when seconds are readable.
3.21
